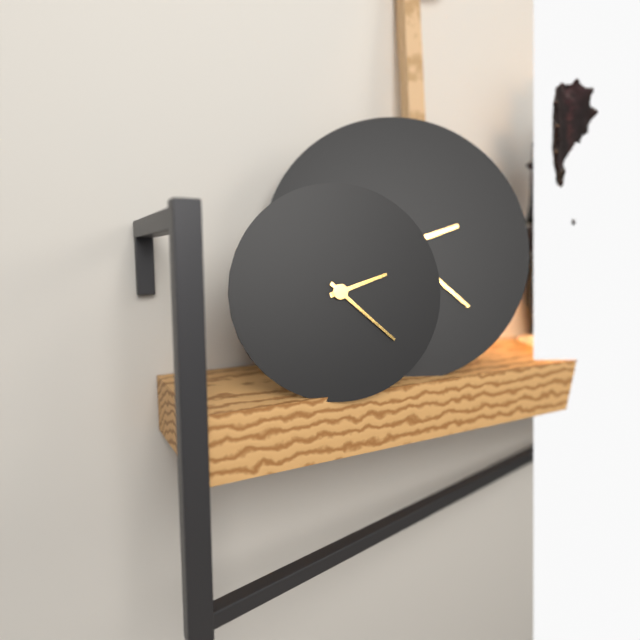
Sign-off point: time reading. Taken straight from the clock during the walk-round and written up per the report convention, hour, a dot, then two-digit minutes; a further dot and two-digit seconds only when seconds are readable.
2.22
